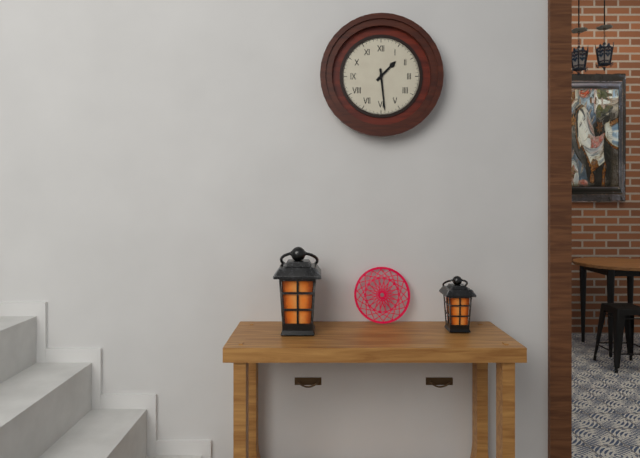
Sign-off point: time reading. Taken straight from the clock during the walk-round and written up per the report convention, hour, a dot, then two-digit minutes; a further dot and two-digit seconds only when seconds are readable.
1.29
